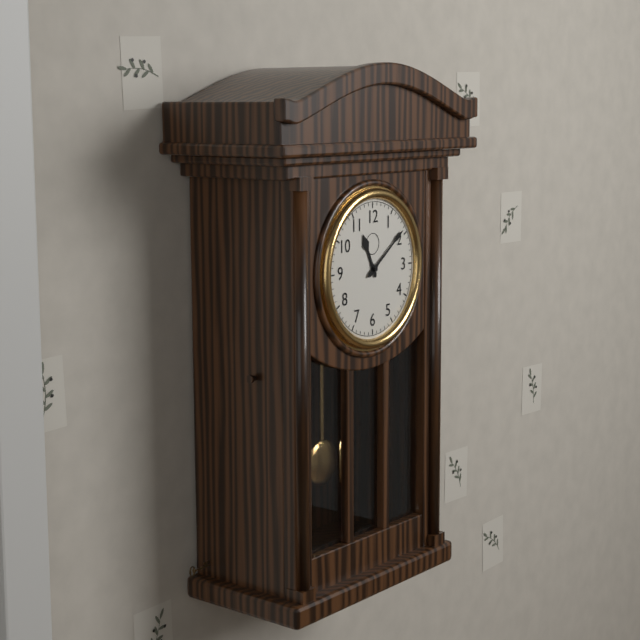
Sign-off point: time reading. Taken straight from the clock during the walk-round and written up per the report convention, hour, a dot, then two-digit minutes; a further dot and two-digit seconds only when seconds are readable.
11.09
